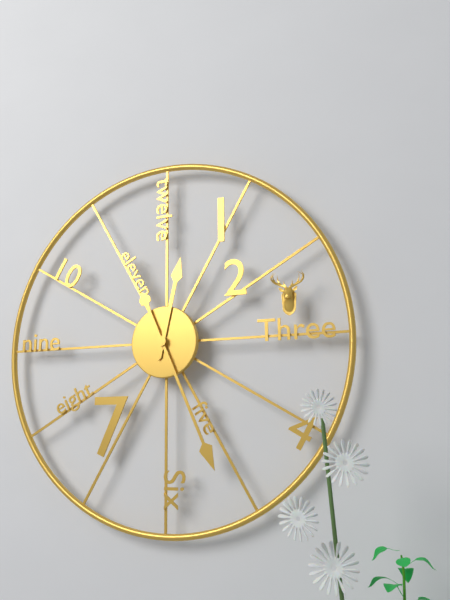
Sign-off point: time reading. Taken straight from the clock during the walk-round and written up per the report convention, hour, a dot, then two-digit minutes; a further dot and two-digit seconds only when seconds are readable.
12.26
